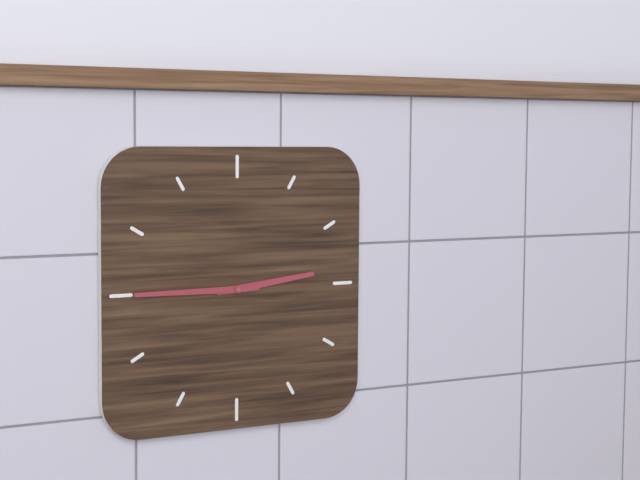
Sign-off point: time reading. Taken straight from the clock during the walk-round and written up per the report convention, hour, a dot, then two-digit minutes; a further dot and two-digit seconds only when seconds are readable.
2.45
